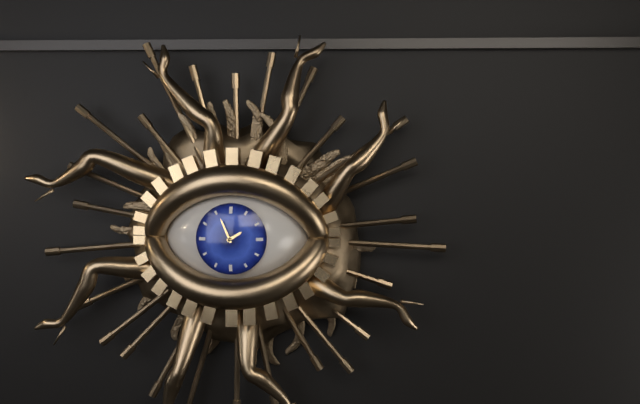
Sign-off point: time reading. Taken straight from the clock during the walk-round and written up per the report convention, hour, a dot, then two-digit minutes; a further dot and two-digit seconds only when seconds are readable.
1.56
